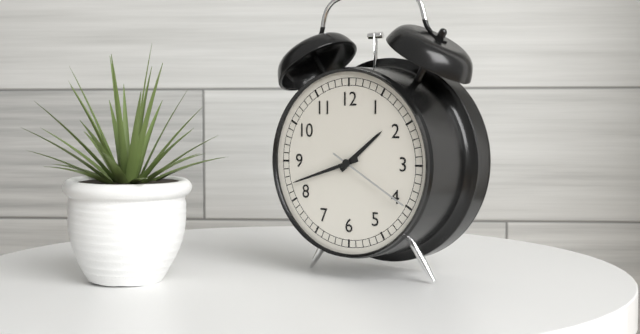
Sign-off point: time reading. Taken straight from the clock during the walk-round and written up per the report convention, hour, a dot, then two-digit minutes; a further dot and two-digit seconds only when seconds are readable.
1.42.20
